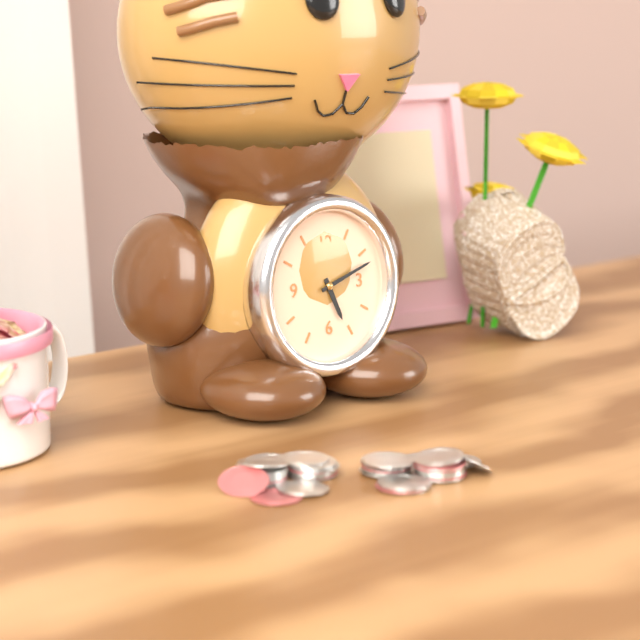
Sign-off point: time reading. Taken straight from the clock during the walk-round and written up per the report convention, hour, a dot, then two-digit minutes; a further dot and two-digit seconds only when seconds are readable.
5.12
